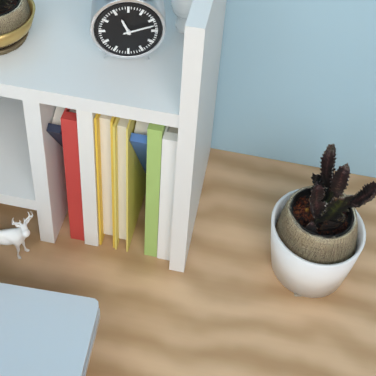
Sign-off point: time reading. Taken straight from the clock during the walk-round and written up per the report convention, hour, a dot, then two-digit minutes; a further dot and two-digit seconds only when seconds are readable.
11.12
